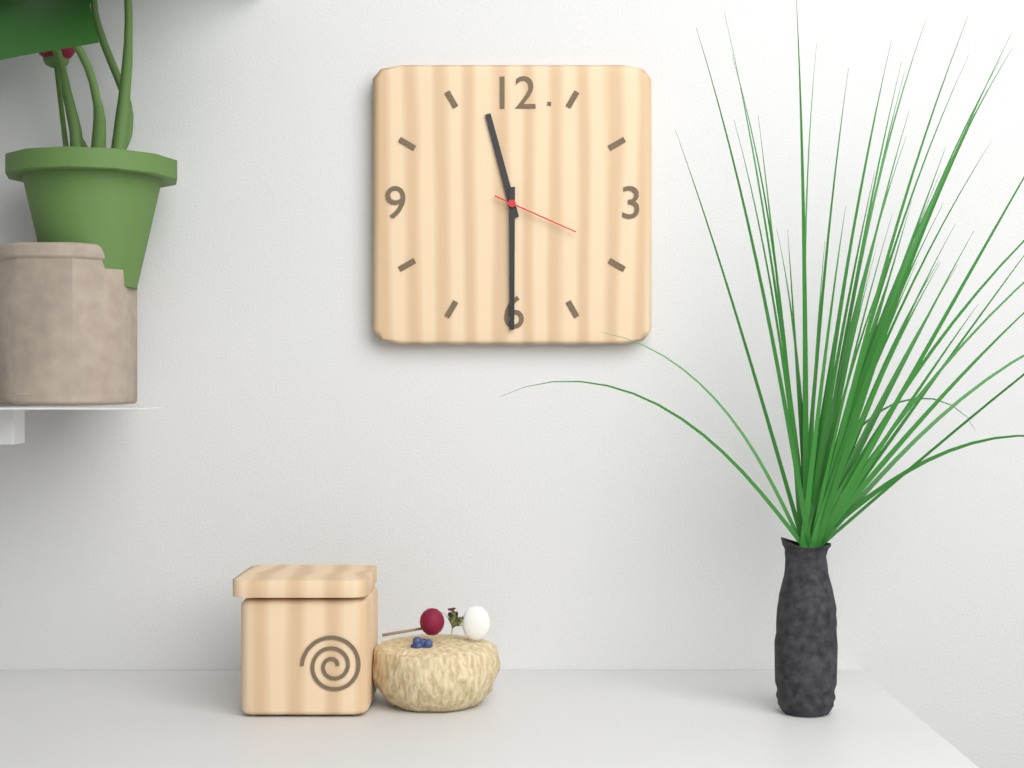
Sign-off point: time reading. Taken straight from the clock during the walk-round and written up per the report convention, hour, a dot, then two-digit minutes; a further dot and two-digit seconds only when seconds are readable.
11.30.19
